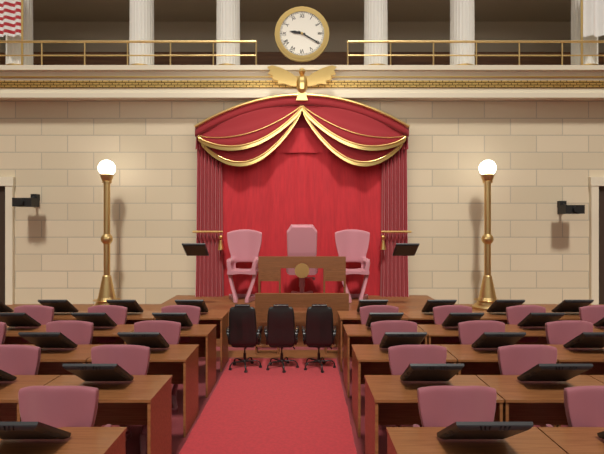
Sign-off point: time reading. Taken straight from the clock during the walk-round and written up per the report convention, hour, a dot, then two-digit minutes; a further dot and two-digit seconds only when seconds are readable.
9.20
